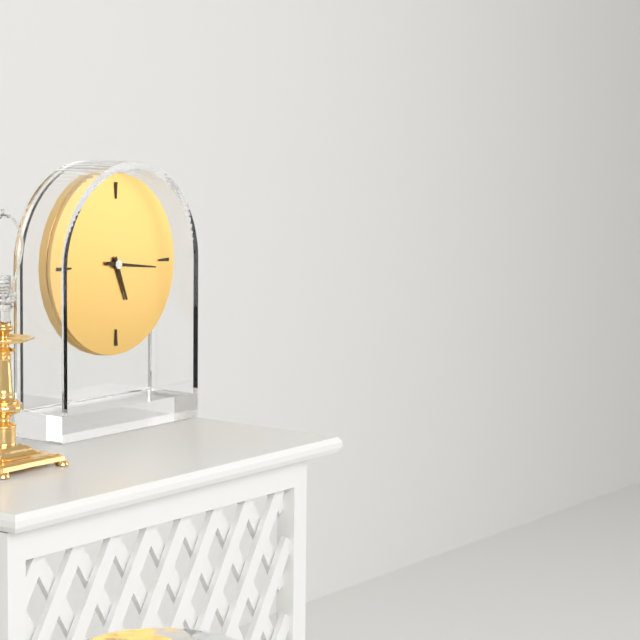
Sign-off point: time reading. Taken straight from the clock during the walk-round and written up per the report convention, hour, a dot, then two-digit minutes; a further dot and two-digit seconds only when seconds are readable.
5.16
